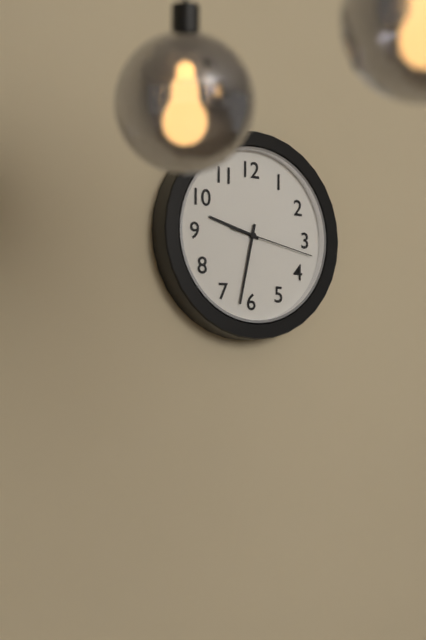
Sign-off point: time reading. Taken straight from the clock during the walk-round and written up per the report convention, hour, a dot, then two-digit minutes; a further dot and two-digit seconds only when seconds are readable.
9.32.17
